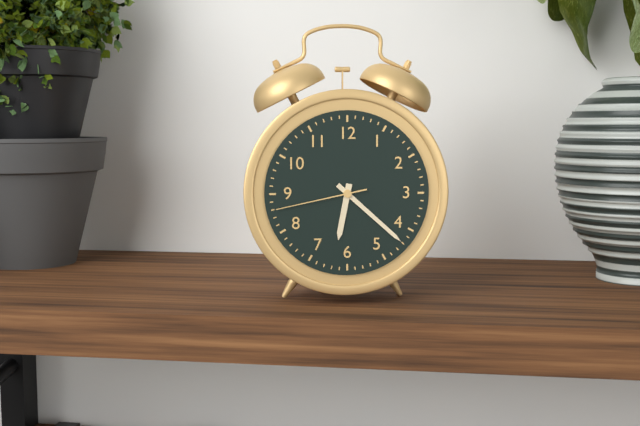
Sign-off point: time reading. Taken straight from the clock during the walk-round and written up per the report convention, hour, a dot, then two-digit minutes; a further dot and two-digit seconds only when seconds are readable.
6.22.43
